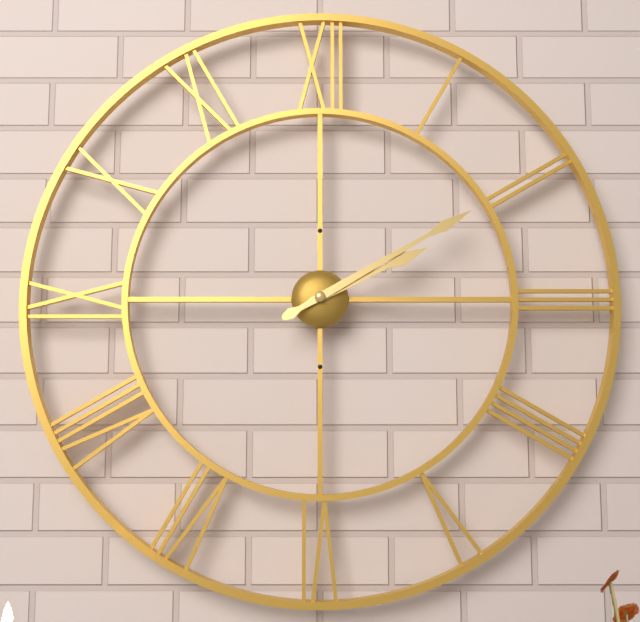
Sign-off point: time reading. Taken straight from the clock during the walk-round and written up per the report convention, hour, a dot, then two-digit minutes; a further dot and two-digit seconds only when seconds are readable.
2.10
